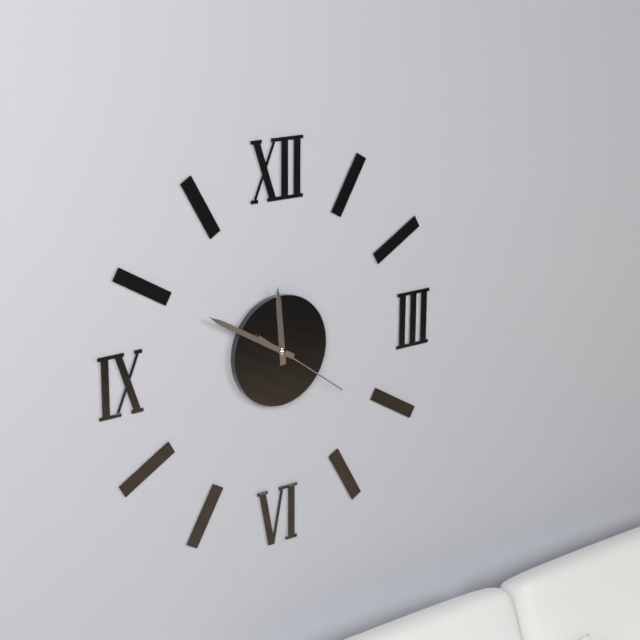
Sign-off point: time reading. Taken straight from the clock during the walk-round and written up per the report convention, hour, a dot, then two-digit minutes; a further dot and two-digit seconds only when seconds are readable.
11.50.21
